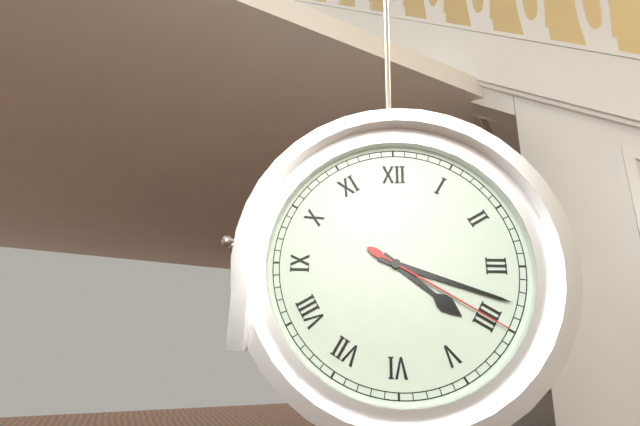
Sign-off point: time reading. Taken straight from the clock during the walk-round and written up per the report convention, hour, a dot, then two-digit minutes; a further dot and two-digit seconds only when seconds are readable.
4.18.20
